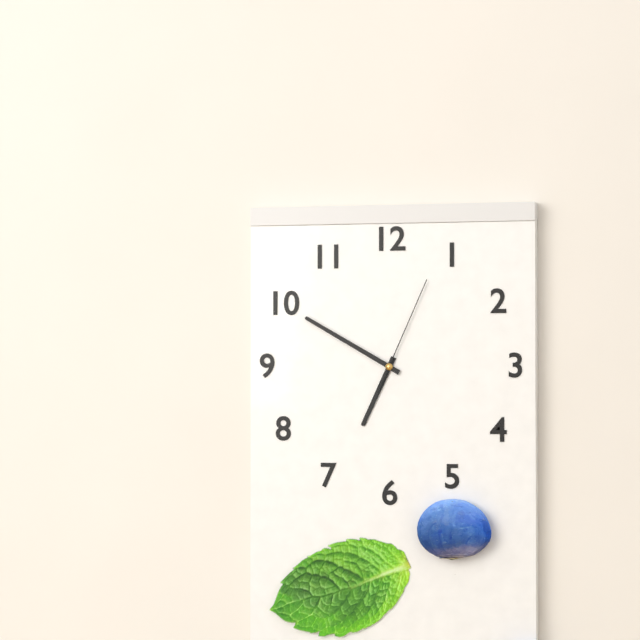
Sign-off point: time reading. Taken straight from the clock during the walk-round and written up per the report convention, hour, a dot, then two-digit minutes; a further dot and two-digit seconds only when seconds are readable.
6.50.04
